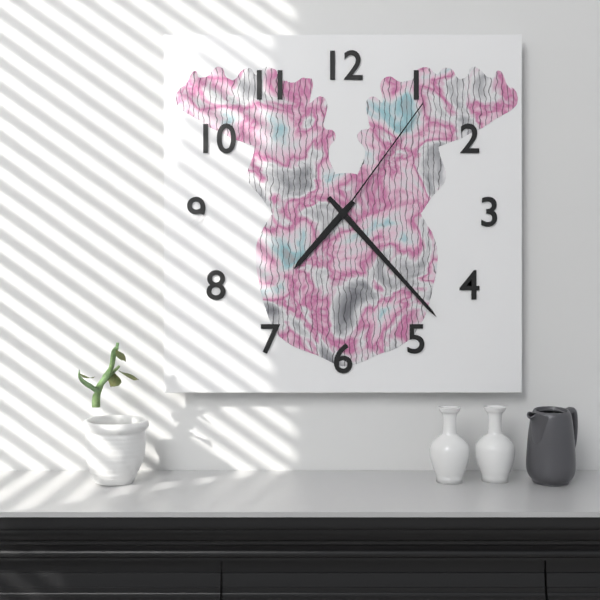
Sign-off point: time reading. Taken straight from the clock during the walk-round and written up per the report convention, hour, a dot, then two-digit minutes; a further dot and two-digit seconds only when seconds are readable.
7.23.06
